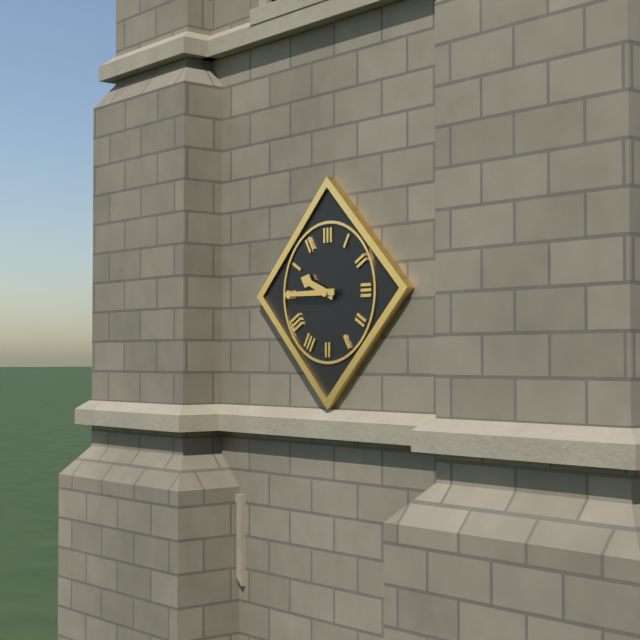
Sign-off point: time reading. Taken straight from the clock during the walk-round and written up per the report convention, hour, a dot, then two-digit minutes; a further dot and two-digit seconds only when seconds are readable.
9.45
